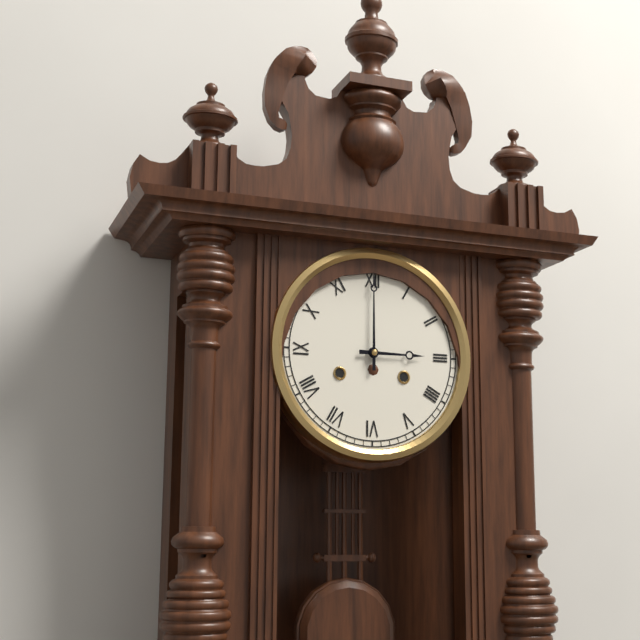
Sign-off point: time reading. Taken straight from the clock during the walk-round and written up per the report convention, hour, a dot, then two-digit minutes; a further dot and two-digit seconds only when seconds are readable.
3.00
